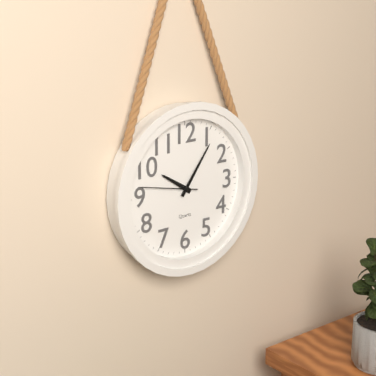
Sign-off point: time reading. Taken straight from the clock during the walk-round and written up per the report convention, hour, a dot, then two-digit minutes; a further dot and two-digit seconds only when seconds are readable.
10.06.47
